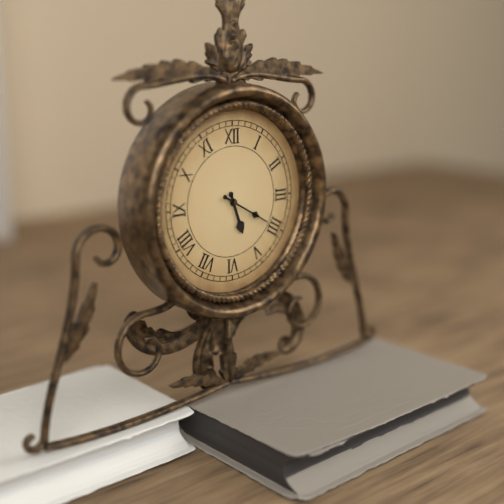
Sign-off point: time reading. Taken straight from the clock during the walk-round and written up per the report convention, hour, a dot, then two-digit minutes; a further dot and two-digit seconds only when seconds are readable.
5.20
